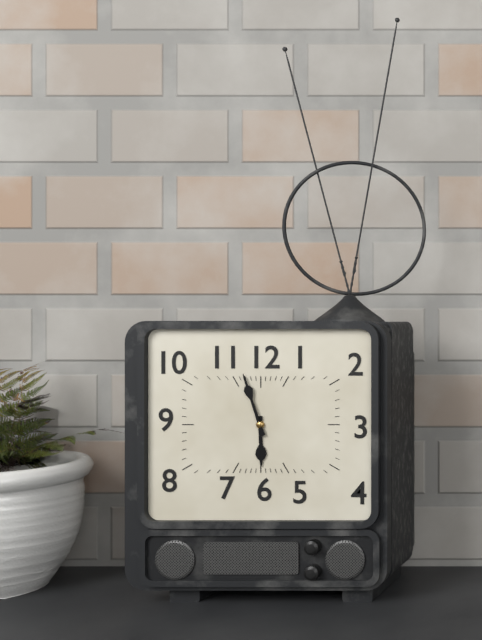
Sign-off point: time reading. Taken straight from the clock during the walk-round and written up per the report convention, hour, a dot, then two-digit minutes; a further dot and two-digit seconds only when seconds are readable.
5.57
